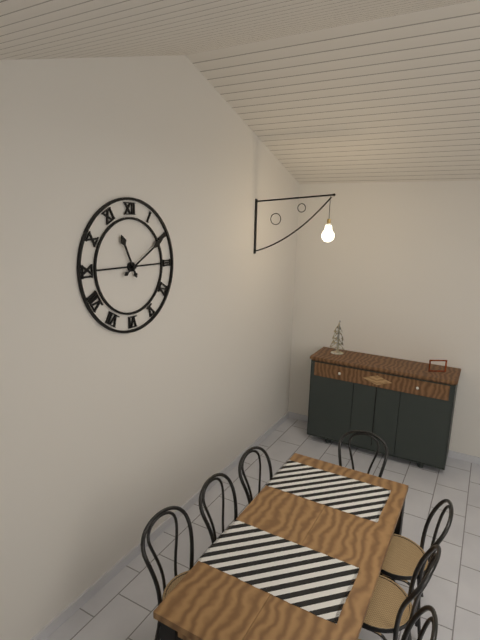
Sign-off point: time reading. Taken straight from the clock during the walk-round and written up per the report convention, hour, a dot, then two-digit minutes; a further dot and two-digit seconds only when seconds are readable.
11.10
